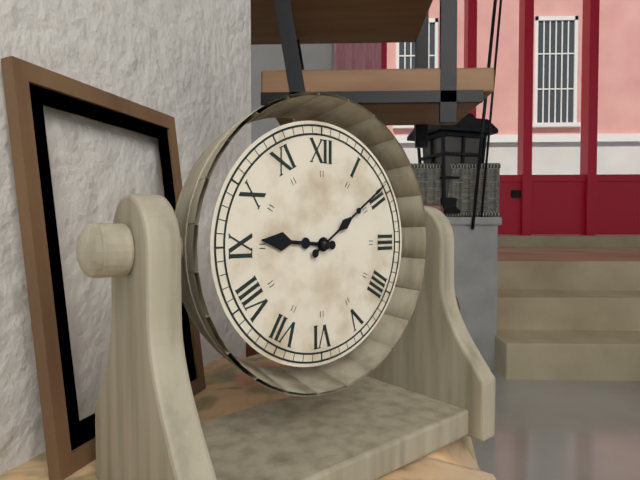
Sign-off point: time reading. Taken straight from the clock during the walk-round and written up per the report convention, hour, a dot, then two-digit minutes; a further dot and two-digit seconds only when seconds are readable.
9.09
